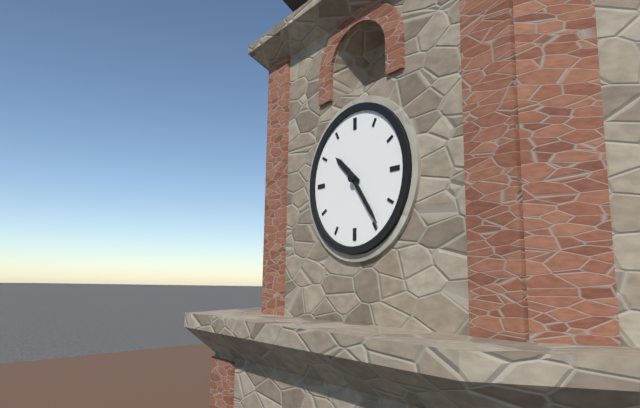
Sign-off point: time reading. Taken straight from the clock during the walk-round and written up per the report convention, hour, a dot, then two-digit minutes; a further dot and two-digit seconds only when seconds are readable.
10.24
